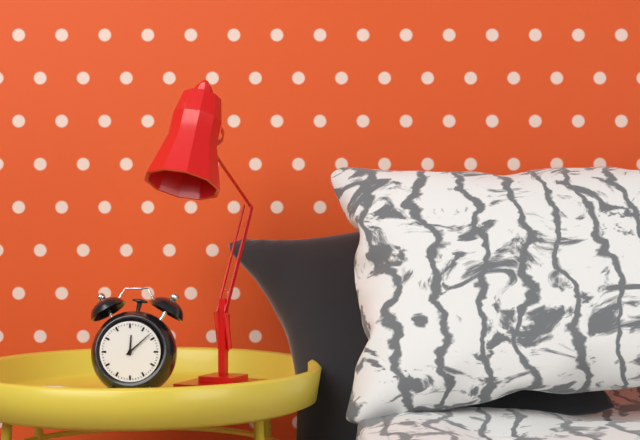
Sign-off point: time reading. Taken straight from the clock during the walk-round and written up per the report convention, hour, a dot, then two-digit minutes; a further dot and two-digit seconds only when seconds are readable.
12.08
